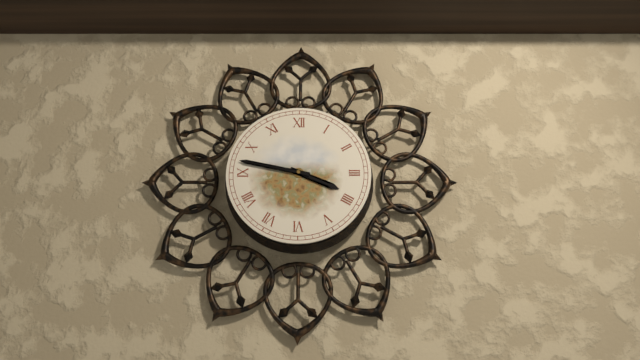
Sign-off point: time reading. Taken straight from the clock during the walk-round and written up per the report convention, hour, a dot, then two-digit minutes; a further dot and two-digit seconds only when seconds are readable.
3.47
